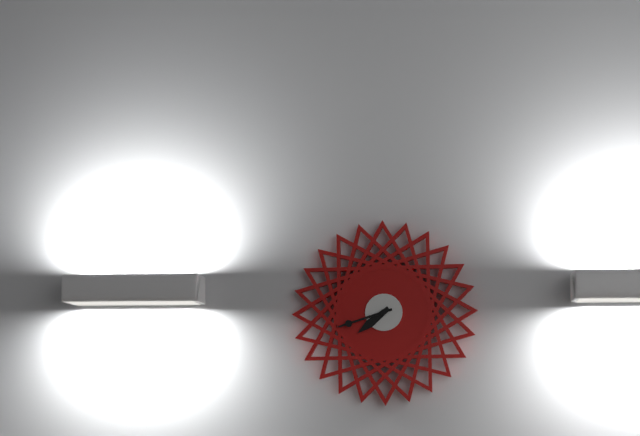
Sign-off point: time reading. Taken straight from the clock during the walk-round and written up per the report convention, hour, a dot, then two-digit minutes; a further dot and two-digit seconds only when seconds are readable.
7.42
